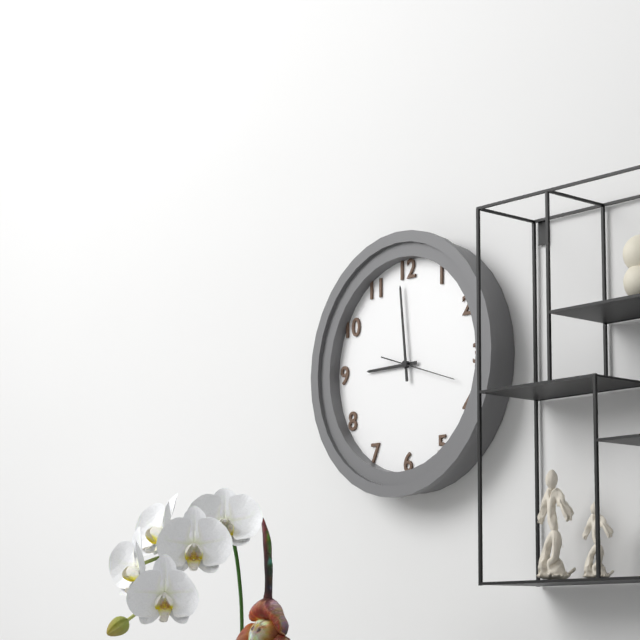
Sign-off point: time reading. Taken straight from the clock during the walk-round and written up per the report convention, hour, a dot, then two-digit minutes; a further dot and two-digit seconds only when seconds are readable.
8.59.18
